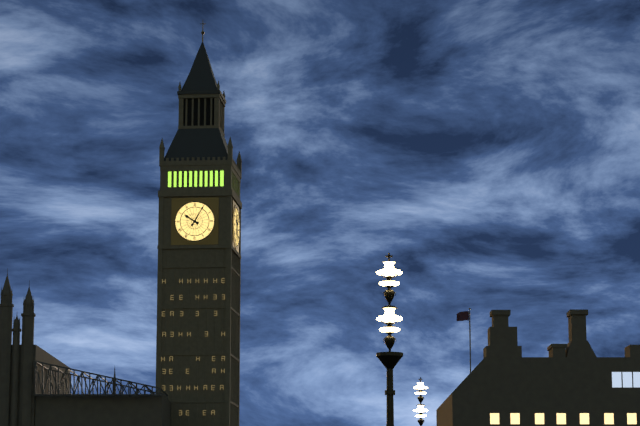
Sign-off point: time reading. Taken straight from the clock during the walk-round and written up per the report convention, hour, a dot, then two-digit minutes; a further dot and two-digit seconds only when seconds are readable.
10.05
